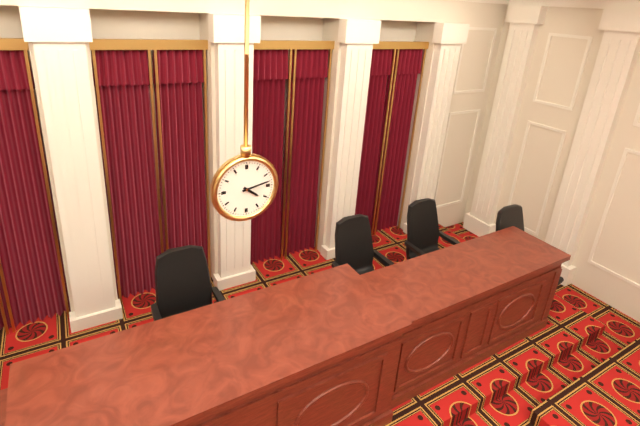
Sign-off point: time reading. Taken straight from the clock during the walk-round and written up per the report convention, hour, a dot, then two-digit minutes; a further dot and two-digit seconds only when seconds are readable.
4.13
